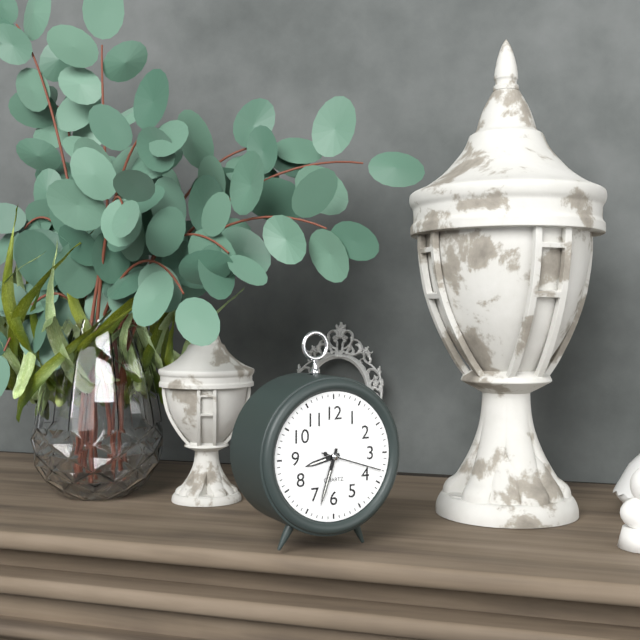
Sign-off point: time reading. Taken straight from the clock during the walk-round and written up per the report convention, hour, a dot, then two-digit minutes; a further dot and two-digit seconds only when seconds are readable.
8.33.18
